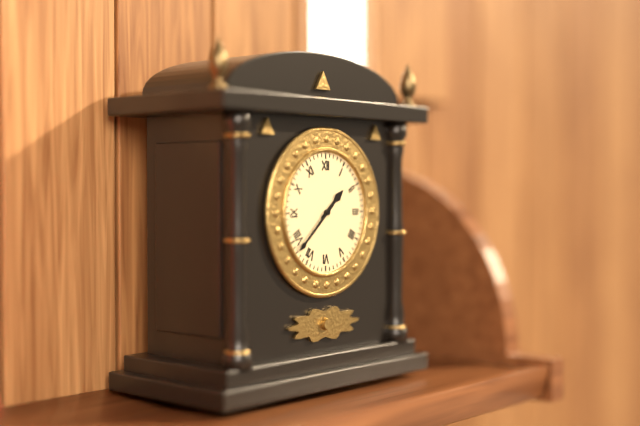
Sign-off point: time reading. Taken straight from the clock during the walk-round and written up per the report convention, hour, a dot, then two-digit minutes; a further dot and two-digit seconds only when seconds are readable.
1.38
